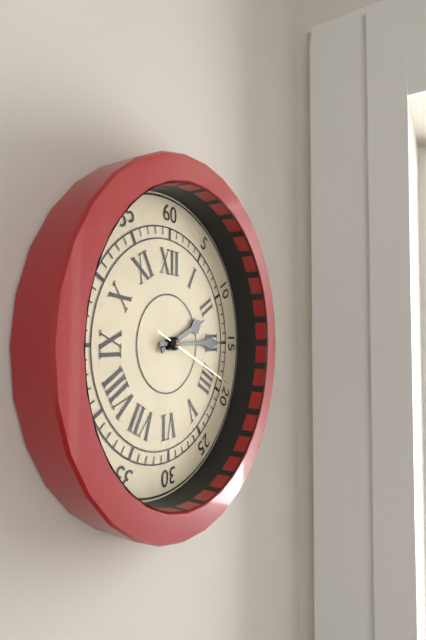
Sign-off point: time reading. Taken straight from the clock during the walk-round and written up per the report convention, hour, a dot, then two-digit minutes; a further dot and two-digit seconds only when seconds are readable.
2.15.19
